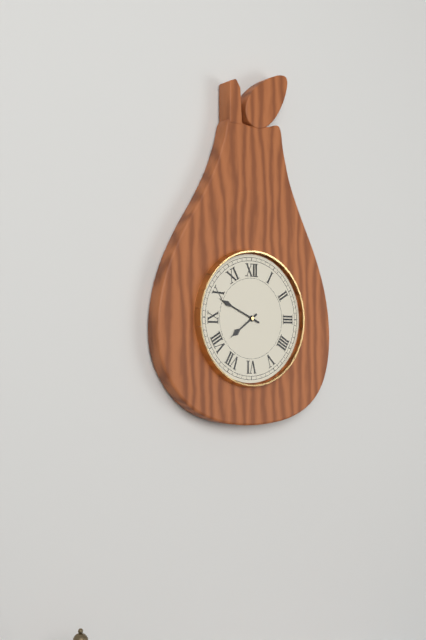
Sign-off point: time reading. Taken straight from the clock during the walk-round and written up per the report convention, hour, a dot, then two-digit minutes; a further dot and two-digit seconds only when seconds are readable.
7.49
